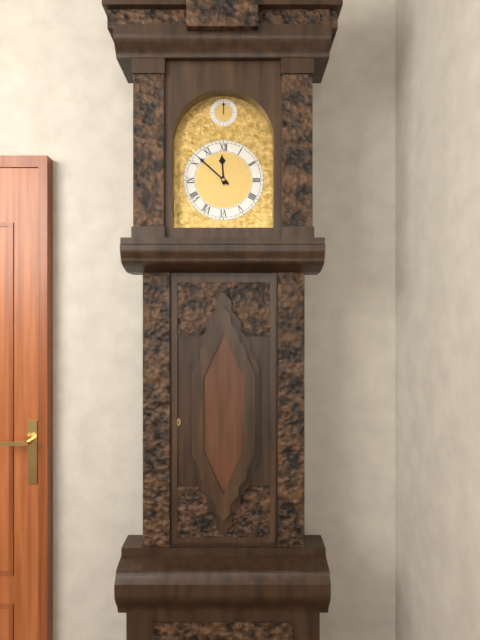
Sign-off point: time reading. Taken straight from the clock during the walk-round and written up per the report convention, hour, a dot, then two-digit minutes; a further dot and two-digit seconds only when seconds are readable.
11.52
